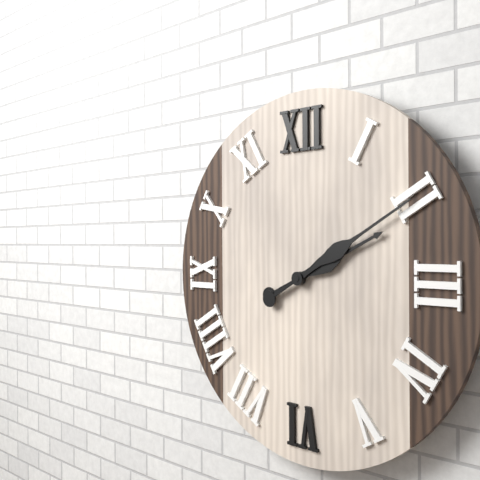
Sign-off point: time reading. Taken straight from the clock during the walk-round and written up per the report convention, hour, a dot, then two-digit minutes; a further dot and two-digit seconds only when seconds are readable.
2.10
